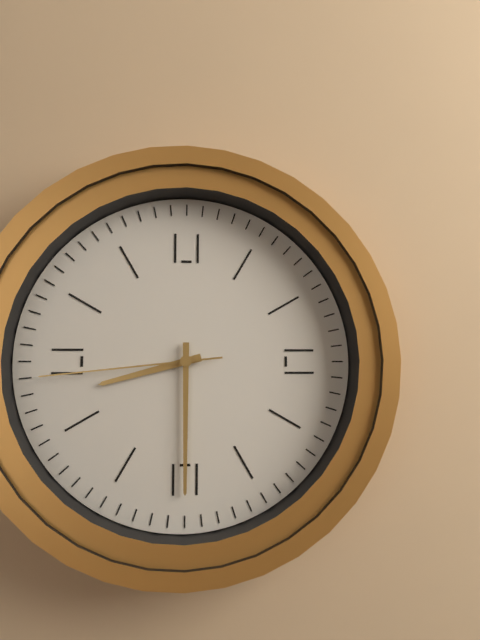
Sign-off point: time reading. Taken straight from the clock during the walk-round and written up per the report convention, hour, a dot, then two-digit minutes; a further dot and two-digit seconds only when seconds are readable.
8.30.44
